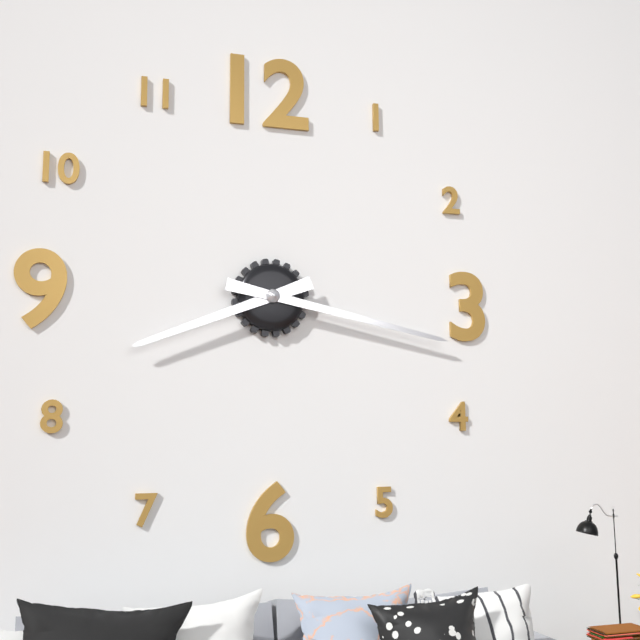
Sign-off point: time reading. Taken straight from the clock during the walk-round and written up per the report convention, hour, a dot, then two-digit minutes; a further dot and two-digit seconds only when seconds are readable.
8.17
